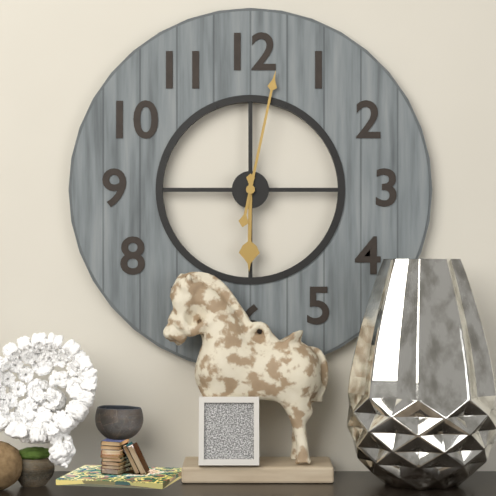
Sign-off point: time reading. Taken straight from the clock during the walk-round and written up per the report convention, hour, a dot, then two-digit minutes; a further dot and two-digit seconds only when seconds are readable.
6.02
